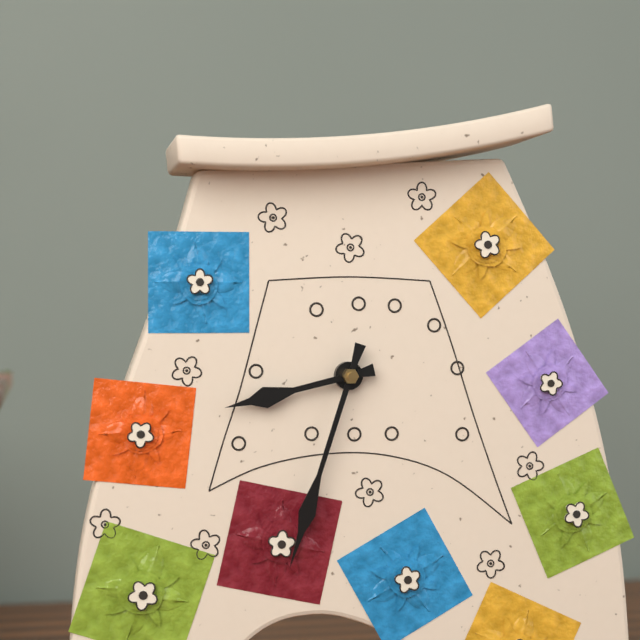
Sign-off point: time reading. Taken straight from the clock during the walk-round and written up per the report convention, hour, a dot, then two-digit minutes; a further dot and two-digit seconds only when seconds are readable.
8.33
